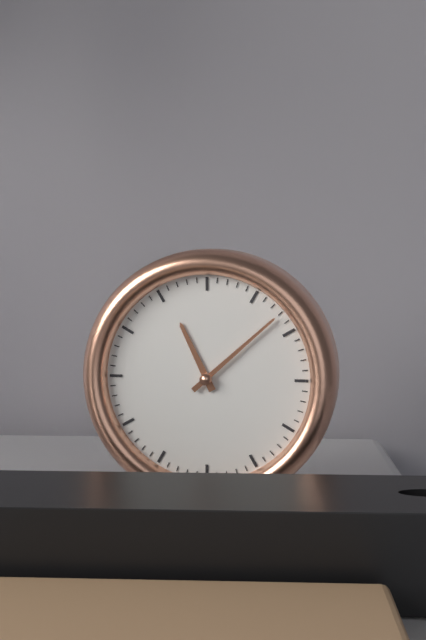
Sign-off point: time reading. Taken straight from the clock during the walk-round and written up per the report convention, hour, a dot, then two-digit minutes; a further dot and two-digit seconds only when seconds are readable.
11.08
